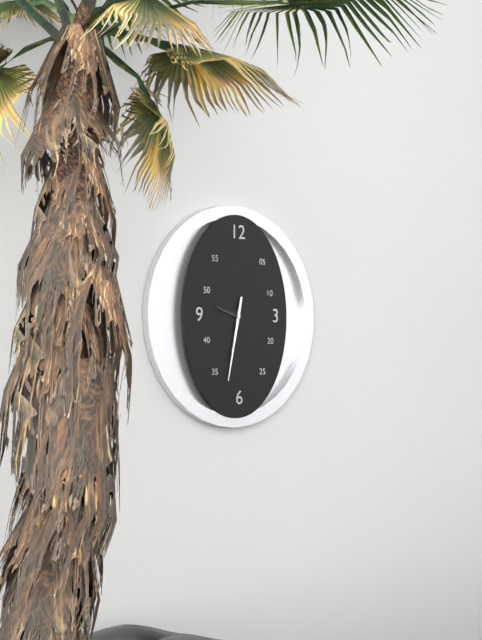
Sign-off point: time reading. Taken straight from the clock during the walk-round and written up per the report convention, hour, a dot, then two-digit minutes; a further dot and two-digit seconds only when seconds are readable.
9.32
